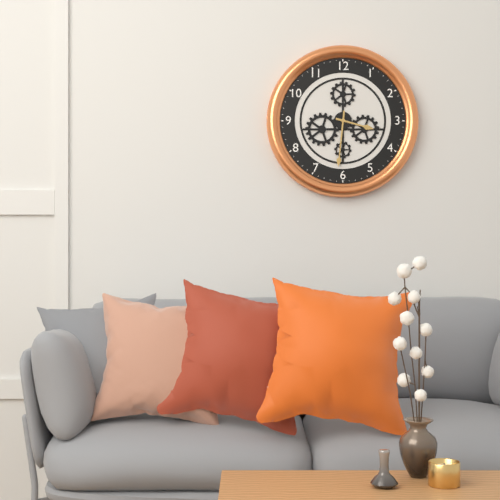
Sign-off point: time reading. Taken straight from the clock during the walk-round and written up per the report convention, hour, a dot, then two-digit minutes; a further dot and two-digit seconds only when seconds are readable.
3.31
